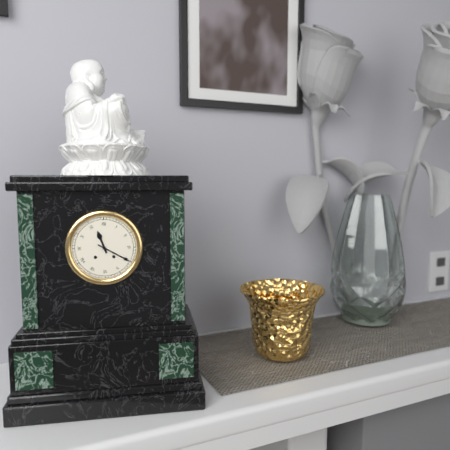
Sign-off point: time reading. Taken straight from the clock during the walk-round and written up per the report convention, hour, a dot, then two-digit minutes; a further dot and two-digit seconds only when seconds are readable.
11.20
